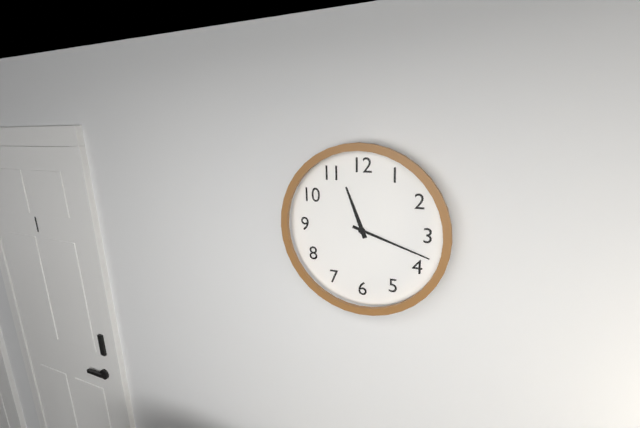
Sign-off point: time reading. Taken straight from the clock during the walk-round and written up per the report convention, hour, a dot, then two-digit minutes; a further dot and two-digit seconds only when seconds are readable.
11.18
